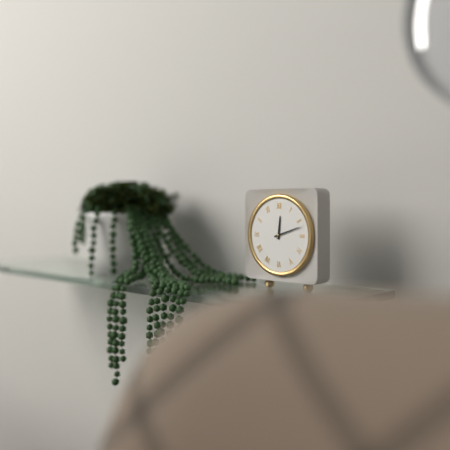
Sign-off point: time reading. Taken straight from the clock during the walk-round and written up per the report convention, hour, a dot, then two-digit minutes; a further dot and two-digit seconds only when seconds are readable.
12.12
